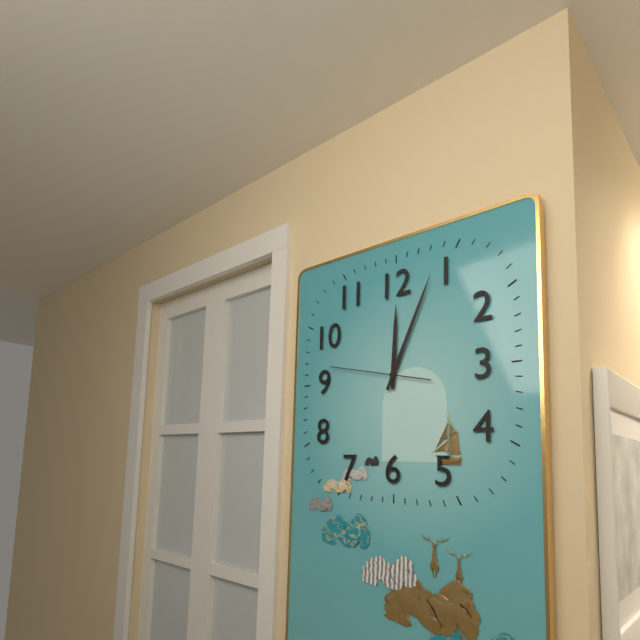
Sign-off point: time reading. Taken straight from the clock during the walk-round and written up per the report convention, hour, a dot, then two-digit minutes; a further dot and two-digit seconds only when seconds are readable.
12.04.47
